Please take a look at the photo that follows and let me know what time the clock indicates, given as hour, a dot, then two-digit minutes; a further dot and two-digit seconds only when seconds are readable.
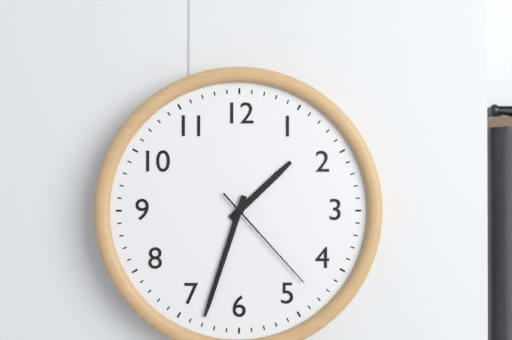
1.33.23
